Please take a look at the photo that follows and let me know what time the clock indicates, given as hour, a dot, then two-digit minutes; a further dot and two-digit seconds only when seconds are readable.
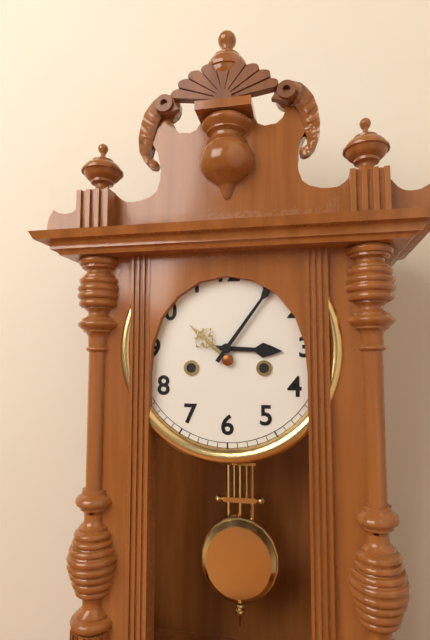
3.06
